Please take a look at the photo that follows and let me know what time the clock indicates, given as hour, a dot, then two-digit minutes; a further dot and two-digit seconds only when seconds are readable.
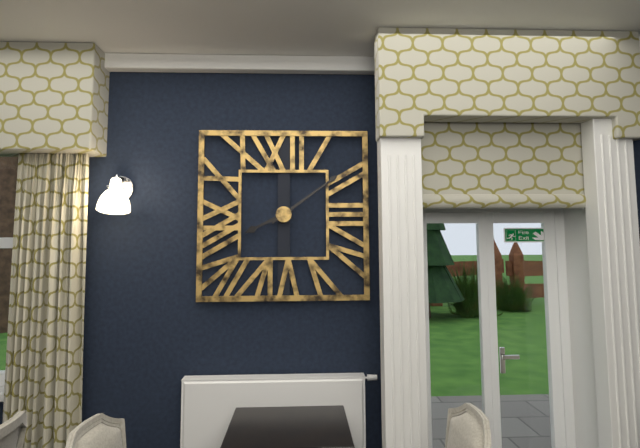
8.09
